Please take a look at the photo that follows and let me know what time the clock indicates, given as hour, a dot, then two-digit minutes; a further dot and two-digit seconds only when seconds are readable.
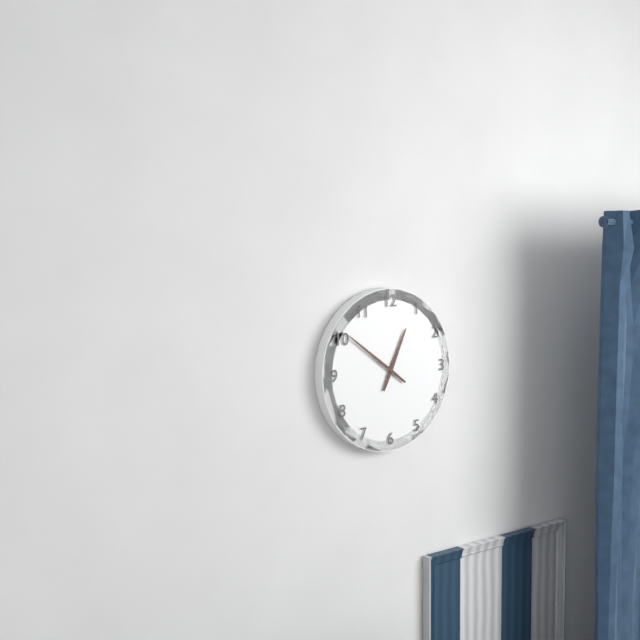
12.51
